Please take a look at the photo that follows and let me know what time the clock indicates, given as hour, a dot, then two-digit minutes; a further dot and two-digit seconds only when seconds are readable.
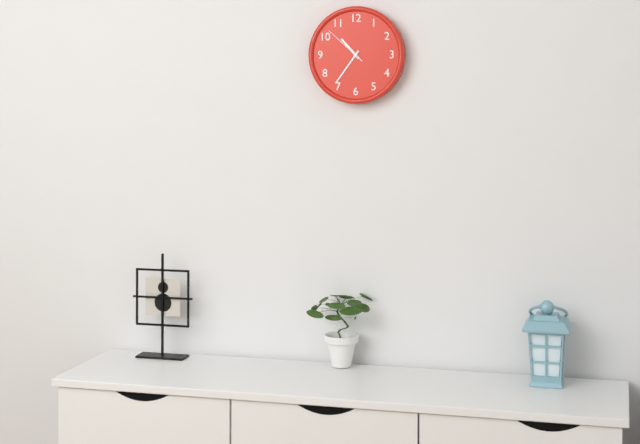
10.36
